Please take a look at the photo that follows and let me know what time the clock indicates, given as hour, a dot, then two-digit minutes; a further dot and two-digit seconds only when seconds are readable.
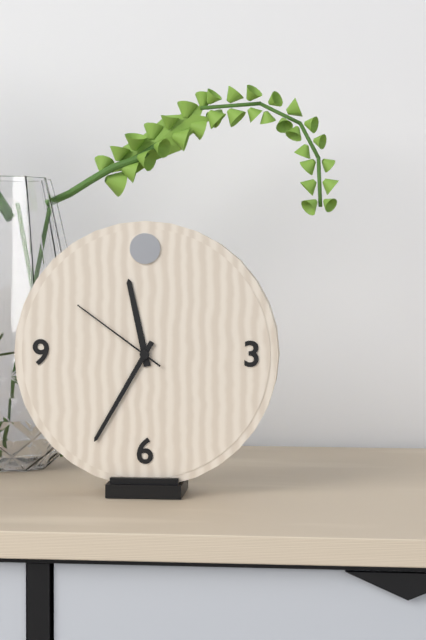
11.35.51
